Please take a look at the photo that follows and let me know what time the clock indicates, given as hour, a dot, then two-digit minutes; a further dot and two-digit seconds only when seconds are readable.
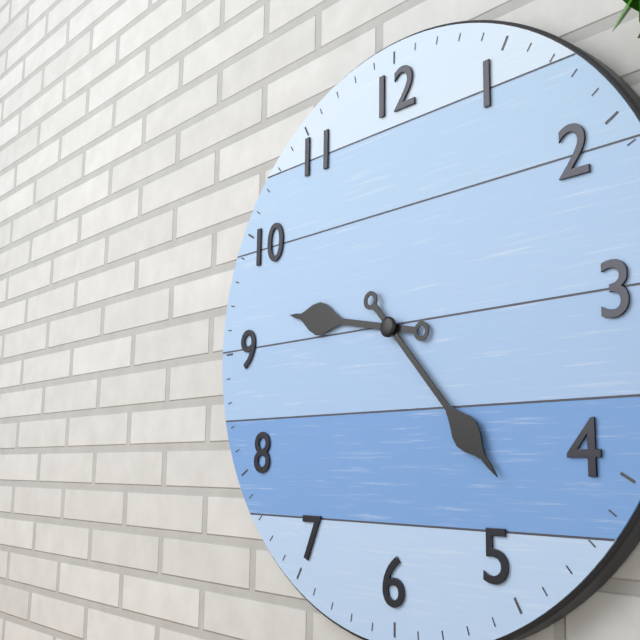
9.23
